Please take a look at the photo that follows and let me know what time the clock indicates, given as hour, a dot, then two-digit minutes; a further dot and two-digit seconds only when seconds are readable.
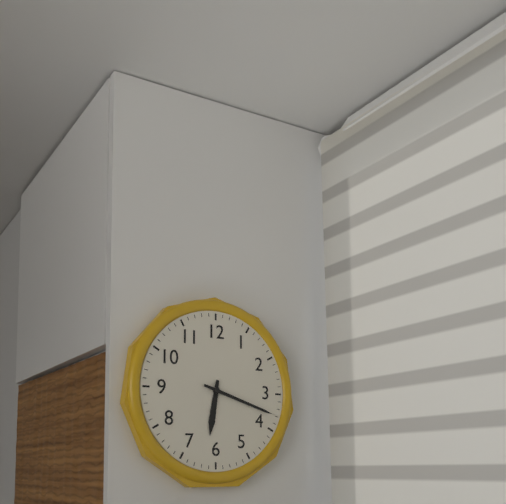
6.18
